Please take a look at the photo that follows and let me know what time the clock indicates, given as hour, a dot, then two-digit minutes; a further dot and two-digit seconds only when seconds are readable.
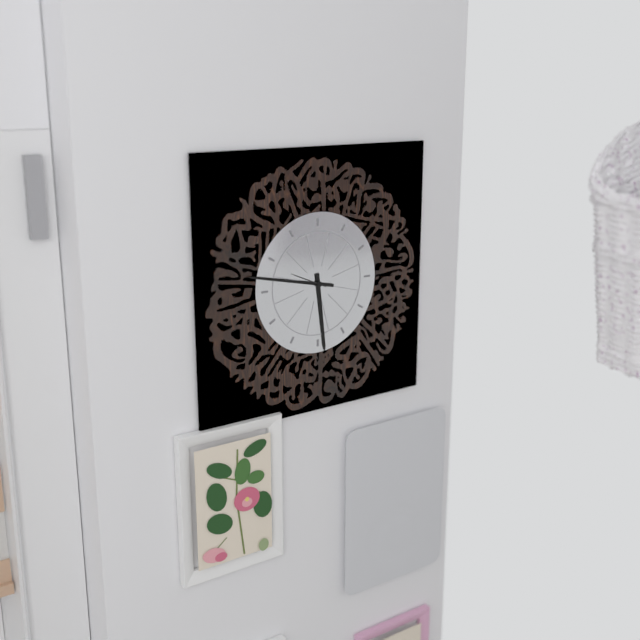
5.47
